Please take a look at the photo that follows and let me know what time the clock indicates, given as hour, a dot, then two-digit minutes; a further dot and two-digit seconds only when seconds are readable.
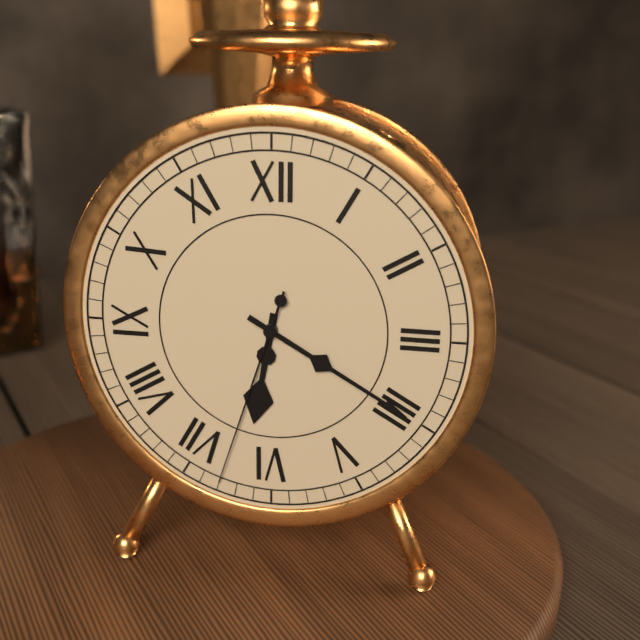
6.20.33
